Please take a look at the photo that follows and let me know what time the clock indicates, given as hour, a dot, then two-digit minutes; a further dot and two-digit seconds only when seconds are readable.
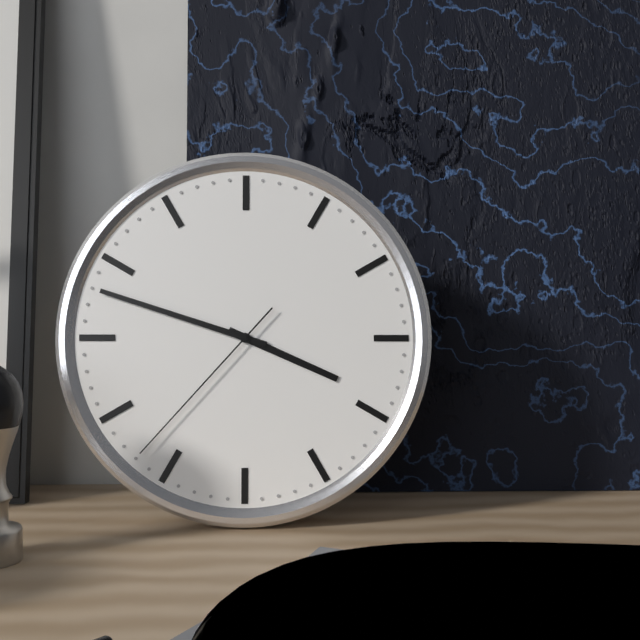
3.48.37
